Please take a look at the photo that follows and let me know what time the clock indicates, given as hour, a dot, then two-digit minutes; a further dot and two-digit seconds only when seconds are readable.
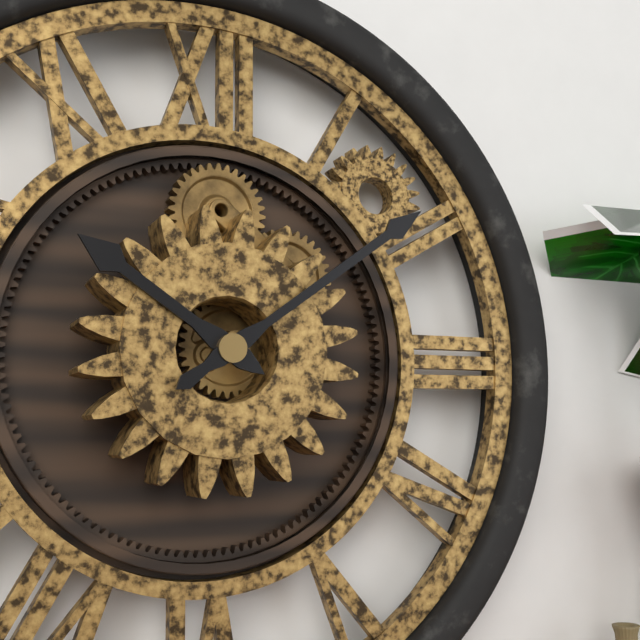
10.09
